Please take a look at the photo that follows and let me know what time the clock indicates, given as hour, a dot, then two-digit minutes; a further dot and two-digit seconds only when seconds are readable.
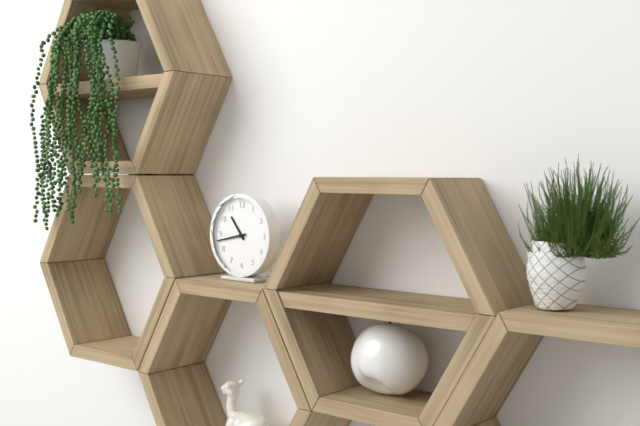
10.43
